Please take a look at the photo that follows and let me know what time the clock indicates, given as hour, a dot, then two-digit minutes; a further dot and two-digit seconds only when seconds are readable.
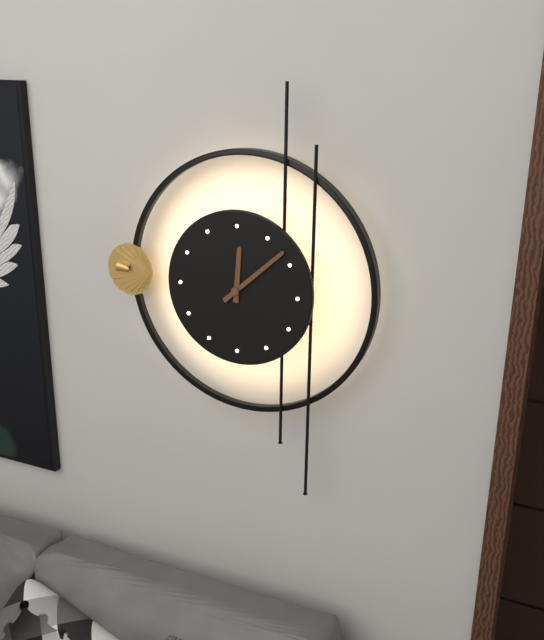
12.08
